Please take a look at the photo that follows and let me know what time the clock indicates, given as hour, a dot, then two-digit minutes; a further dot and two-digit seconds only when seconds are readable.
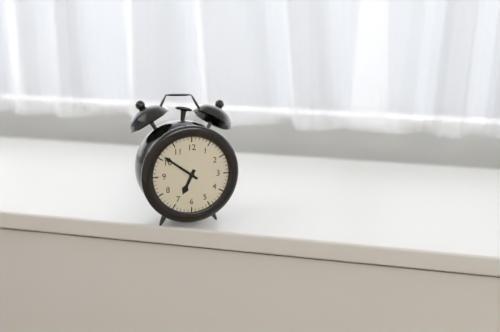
6.51
